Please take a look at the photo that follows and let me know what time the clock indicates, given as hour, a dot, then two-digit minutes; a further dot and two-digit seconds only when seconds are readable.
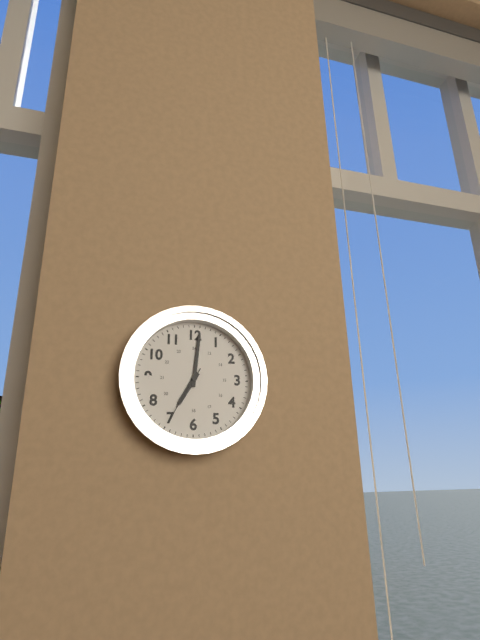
7.01.35
